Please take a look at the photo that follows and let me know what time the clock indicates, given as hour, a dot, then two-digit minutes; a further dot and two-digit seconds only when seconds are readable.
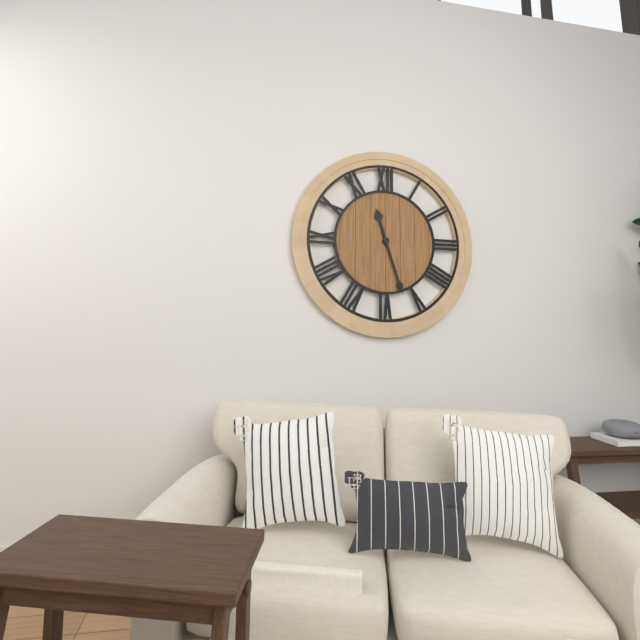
11.27
